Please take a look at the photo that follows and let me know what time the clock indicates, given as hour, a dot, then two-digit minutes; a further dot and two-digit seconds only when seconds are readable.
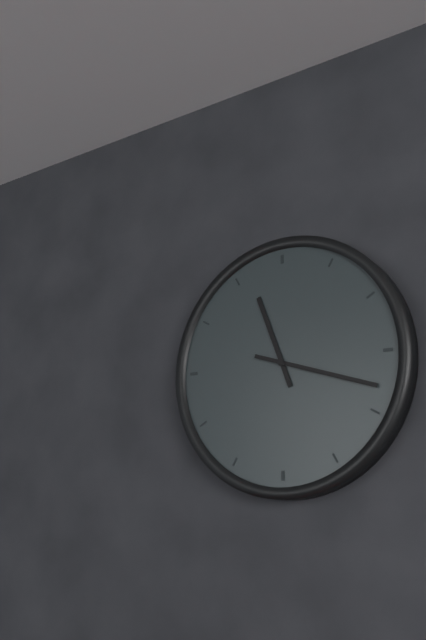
11.18
